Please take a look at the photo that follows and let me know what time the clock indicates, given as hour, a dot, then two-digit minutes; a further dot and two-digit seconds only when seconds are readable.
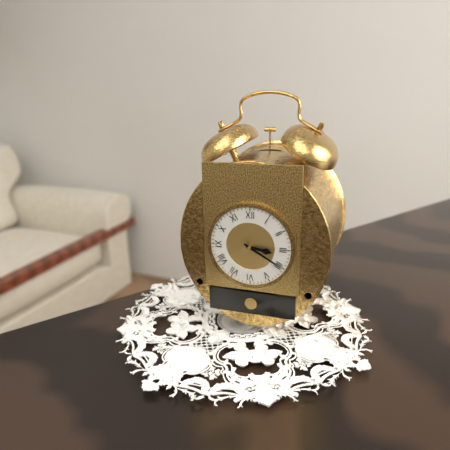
3.20
